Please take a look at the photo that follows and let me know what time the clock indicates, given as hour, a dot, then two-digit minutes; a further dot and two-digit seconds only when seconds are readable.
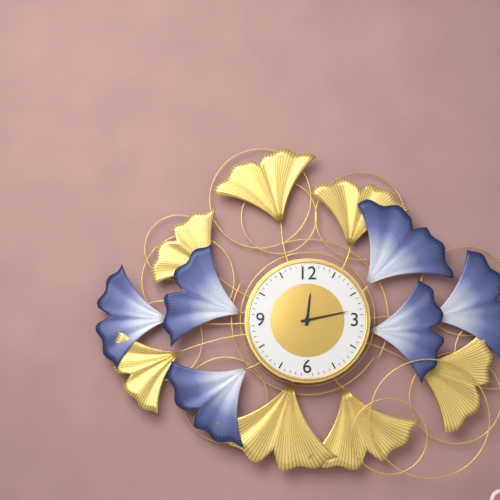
12.13
